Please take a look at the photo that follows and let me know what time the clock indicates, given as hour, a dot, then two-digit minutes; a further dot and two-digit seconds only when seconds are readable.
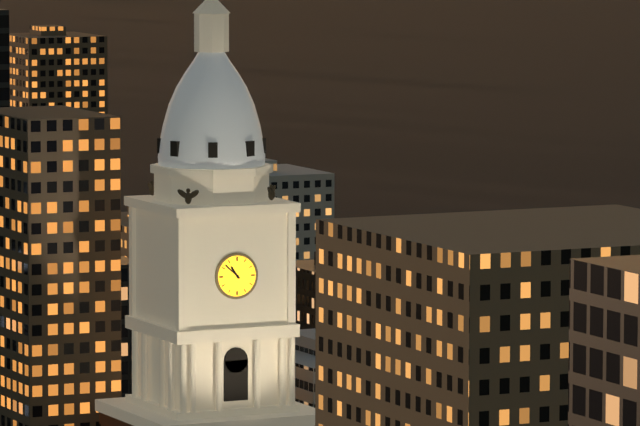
10.52
